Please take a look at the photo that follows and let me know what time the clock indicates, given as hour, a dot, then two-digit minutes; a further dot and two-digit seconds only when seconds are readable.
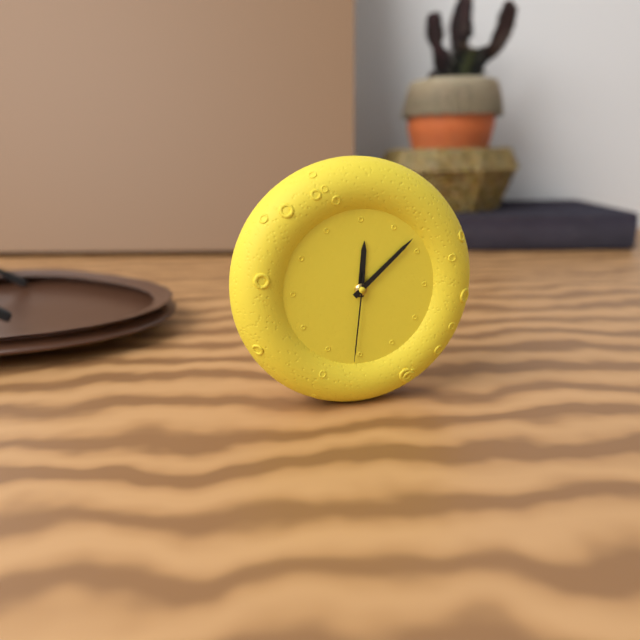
12.08.31
